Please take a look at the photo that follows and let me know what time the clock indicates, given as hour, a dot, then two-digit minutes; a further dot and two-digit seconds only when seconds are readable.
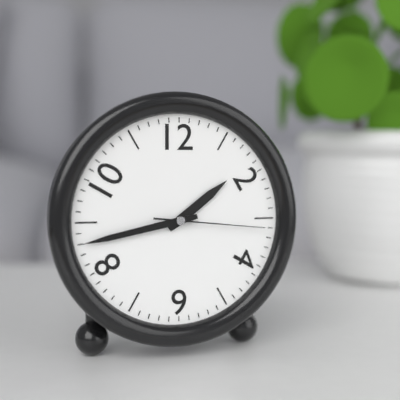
1.43.16
